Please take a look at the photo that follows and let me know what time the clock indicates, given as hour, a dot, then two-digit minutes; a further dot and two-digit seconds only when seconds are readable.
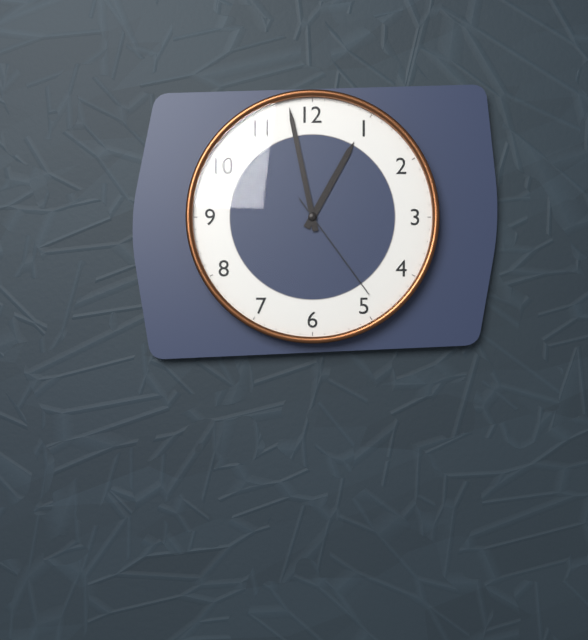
12.58.24
